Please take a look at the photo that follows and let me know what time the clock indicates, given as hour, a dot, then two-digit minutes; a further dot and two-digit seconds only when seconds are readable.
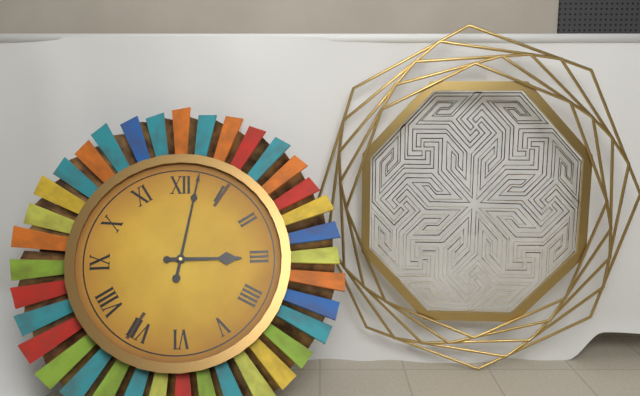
3.02
